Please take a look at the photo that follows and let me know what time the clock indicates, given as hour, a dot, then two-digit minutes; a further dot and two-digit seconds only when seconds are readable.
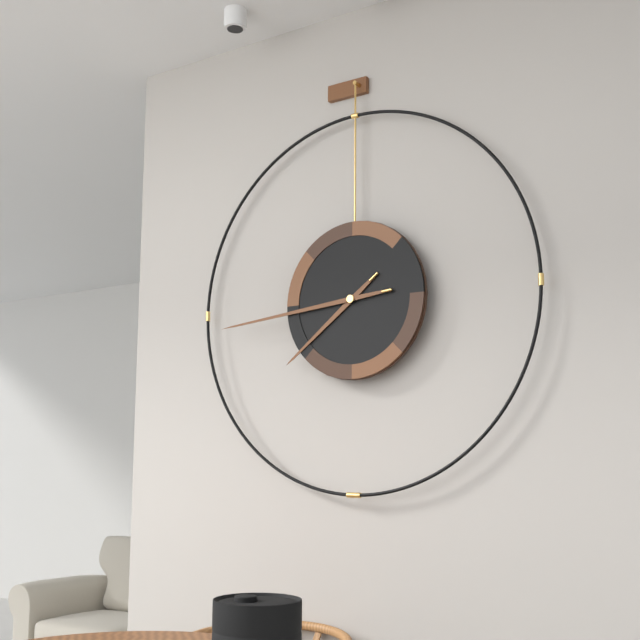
7.44
